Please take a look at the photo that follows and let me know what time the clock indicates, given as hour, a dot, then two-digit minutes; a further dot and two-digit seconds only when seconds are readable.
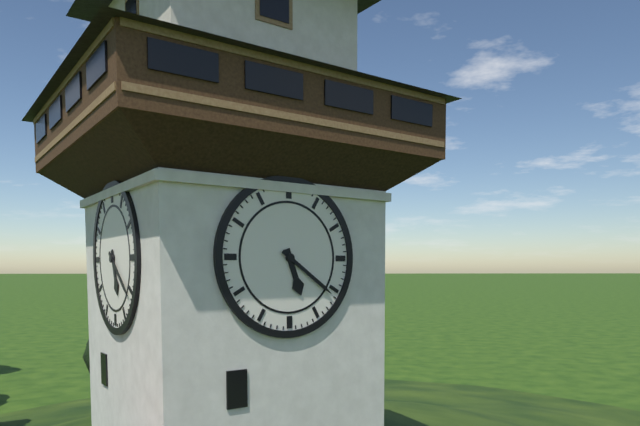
5.21
